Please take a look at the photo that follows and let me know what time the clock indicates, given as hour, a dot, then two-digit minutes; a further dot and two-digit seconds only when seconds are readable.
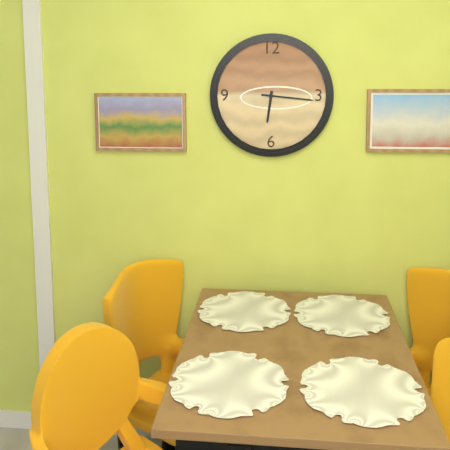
6.16
